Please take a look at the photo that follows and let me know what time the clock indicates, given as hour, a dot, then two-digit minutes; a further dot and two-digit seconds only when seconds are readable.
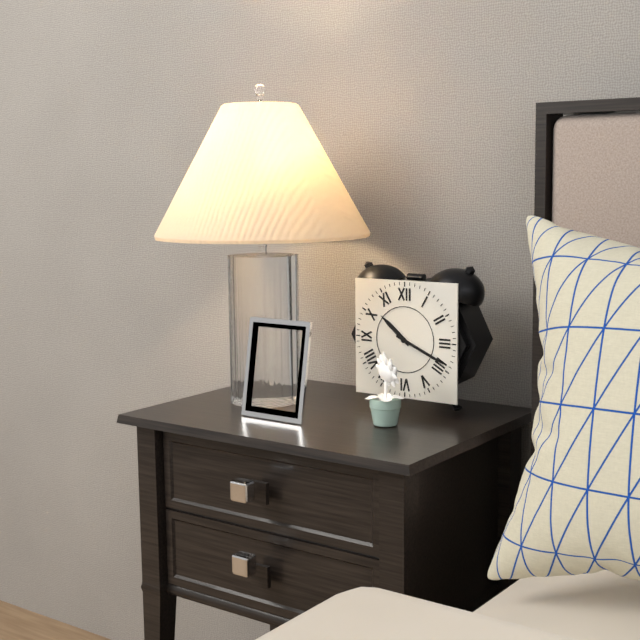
10.19
